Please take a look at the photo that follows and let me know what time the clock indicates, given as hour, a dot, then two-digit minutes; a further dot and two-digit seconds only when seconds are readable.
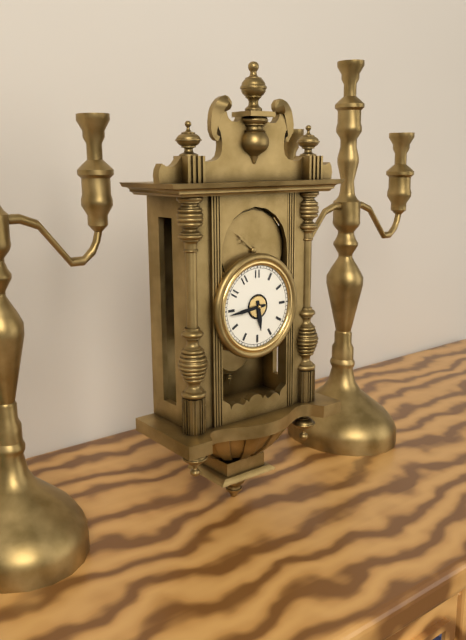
5.44
